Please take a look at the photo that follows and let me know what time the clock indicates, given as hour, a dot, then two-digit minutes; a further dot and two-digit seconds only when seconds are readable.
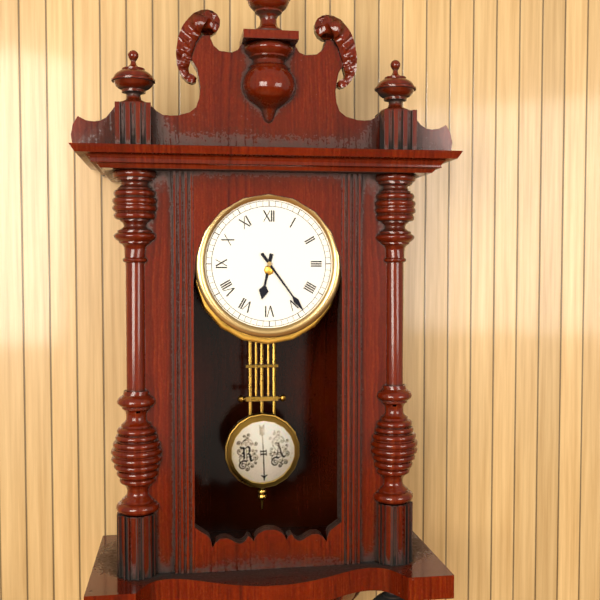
6.24
